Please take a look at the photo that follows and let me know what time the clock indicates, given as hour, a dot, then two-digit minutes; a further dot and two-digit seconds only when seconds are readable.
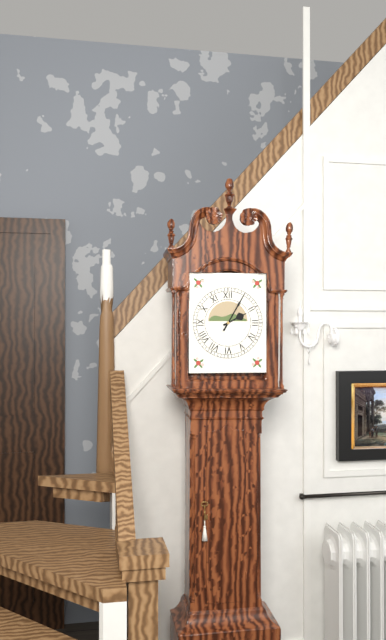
2.05
